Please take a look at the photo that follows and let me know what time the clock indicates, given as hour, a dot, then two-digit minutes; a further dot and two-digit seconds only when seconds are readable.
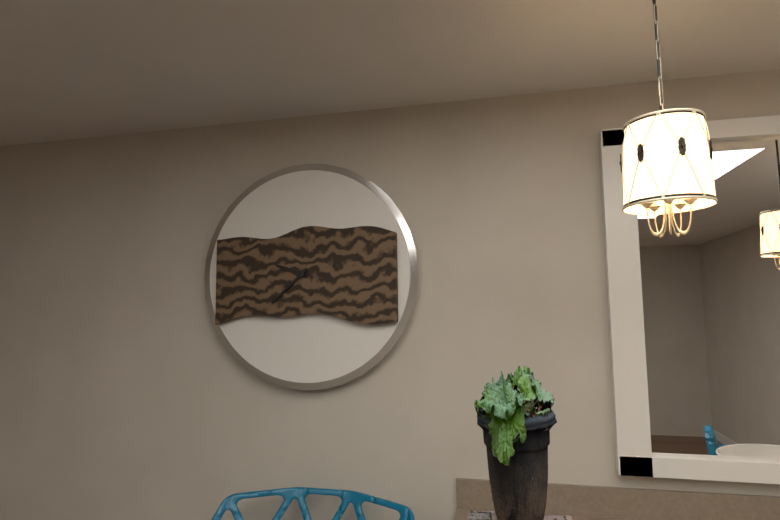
9.38
